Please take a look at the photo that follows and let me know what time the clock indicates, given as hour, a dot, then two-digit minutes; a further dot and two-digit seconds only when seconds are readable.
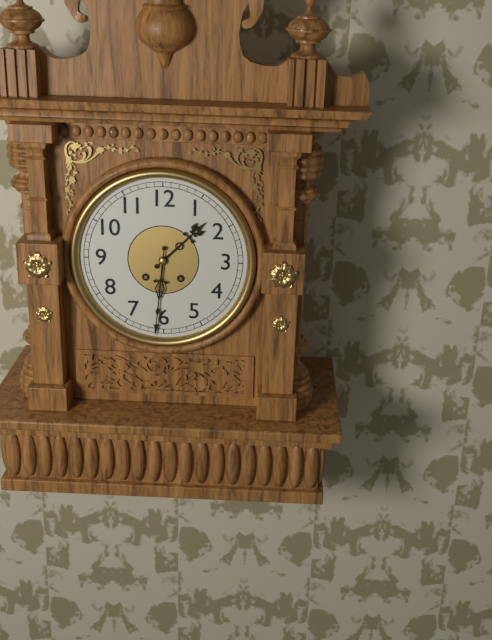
1.31
